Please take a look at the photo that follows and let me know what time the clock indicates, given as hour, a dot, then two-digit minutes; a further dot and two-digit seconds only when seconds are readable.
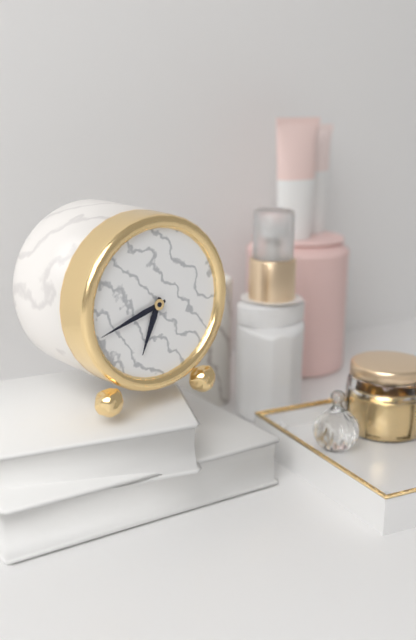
6.42
